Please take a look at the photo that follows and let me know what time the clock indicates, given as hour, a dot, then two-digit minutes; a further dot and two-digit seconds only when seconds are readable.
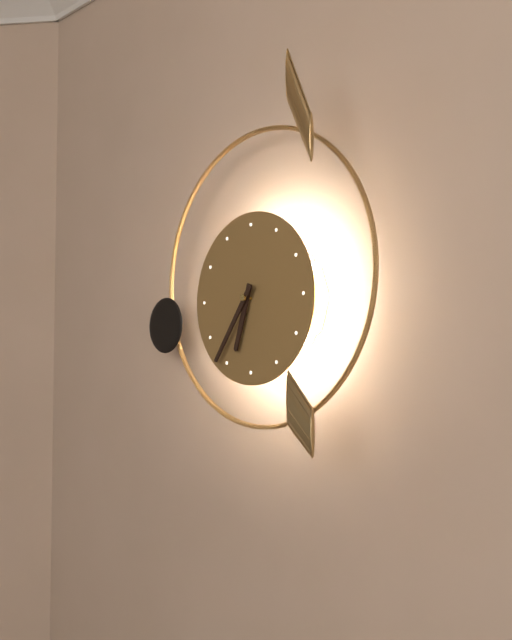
6.36
